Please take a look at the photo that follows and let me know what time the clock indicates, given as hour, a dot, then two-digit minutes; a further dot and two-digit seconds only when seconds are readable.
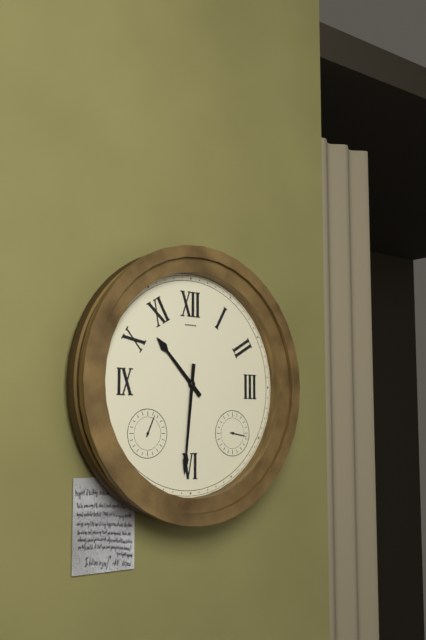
10.31
